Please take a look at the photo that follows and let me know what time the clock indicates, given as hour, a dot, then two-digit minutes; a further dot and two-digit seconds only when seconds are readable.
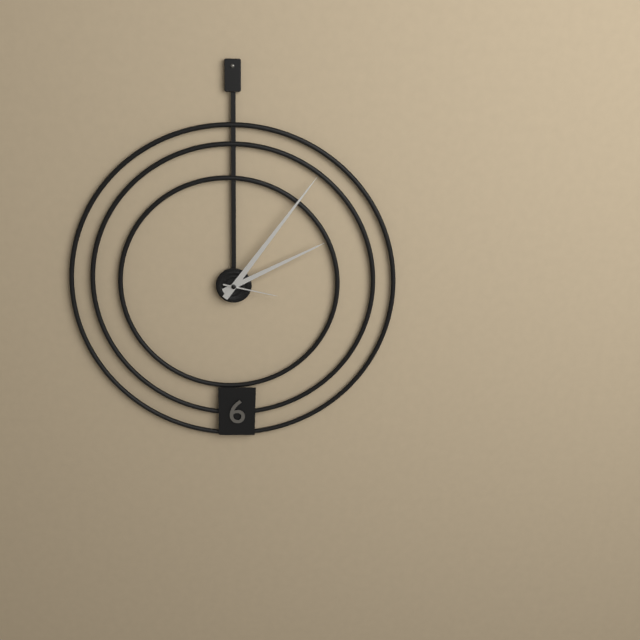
2.06.17
